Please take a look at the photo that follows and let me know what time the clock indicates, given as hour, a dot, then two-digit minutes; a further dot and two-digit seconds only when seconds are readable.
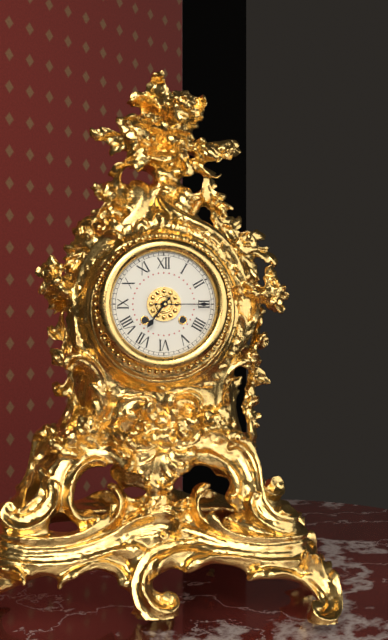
7.15
